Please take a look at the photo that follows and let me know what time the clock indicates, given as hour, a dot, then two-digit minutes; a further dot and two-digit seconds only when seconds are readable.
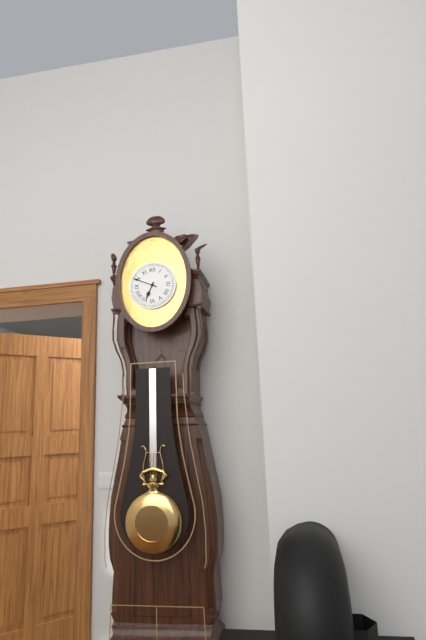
6.49
